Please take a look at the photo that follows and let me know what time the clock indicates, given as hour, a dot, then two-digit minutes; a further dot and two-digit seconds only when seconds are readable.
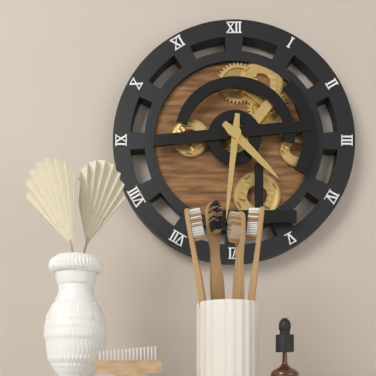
4.31
